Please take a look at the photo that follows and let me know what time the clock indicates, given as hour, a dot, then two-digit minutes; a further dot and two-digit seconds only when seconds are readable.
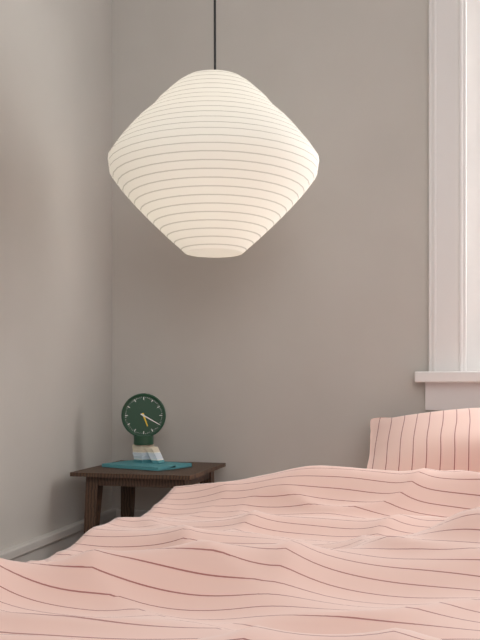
5.20
